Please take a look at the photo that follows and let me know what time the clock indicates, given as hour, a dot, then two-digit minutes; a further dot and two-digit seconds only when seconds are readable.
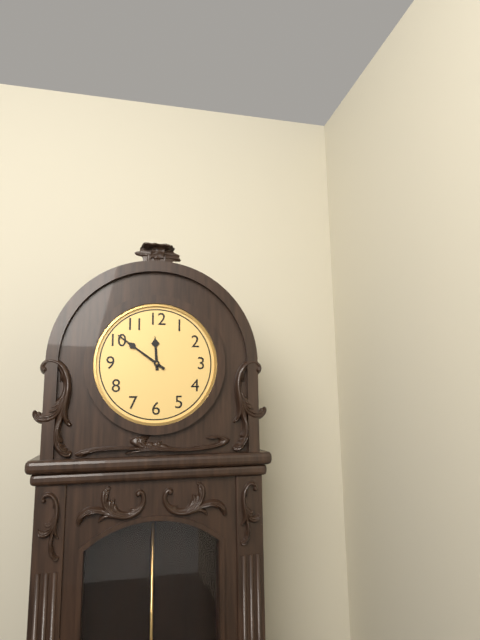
11.51
